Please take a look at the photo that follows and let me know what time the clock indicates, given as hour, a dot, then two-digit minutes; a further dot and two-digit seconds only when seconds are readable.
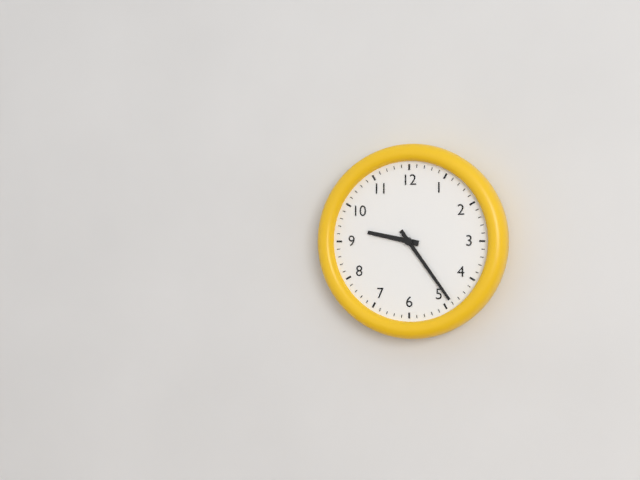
9.24
